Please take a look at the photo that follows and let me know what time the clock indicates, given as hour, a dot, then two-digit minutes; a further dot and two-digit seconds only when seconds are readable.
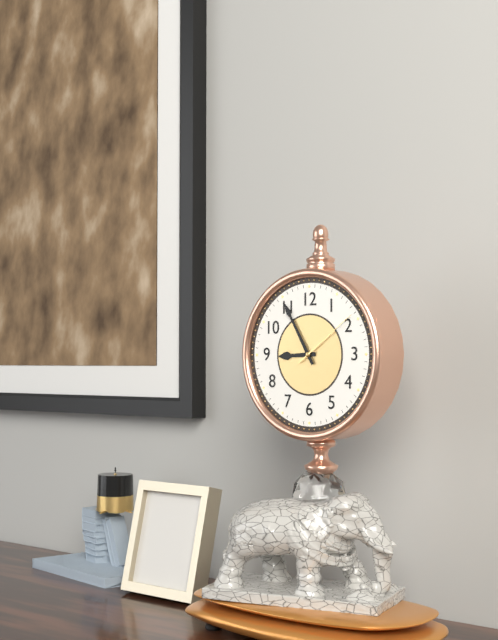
8.55.09
